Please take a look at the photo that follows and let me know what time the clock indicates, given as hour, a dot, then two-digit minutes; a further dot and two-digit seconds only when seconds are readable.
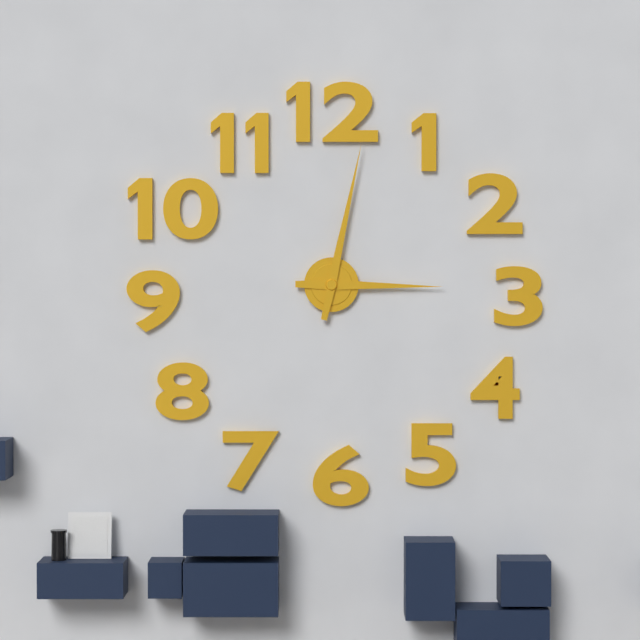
3.02
